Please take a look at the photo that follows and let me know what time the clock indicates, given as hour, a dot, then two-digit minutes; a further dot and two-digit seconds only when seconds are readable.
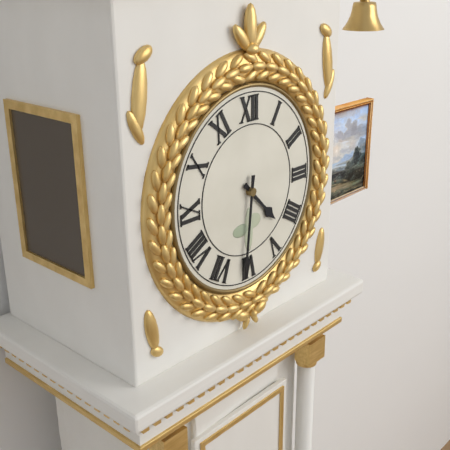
4.31
